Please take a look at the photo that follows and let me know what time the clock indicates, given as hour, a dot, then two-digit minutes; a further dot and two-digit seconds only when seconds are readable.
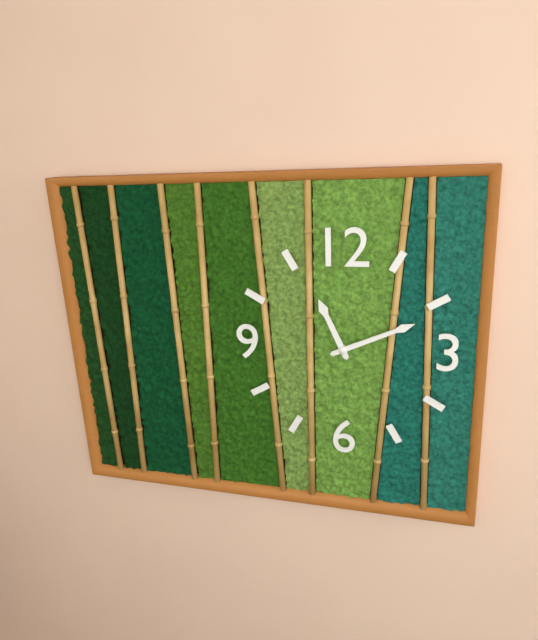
11.11
